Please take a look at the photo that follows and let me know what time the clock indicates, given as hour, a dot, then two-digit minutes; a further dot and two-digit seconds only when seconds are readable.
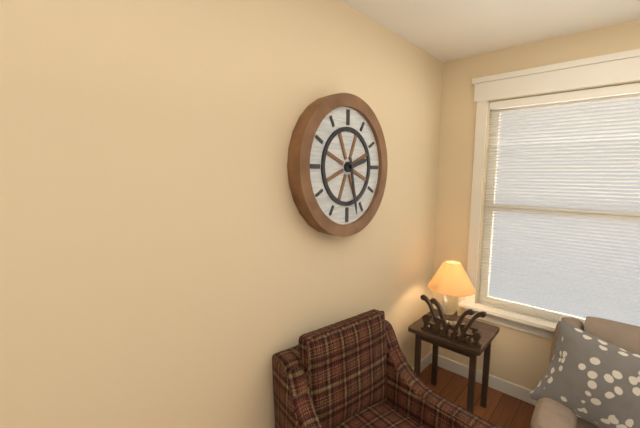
2.28
